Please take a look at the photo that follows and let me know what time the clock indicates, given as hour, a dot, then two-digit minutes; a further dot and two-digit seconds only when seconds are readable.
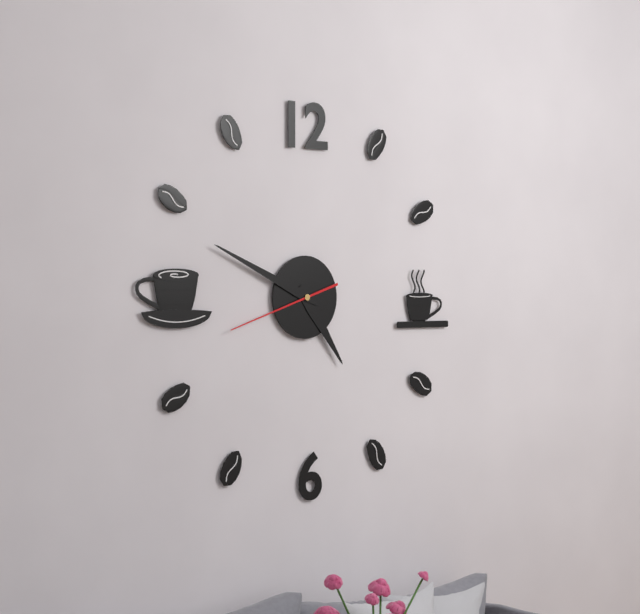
4.49.42
